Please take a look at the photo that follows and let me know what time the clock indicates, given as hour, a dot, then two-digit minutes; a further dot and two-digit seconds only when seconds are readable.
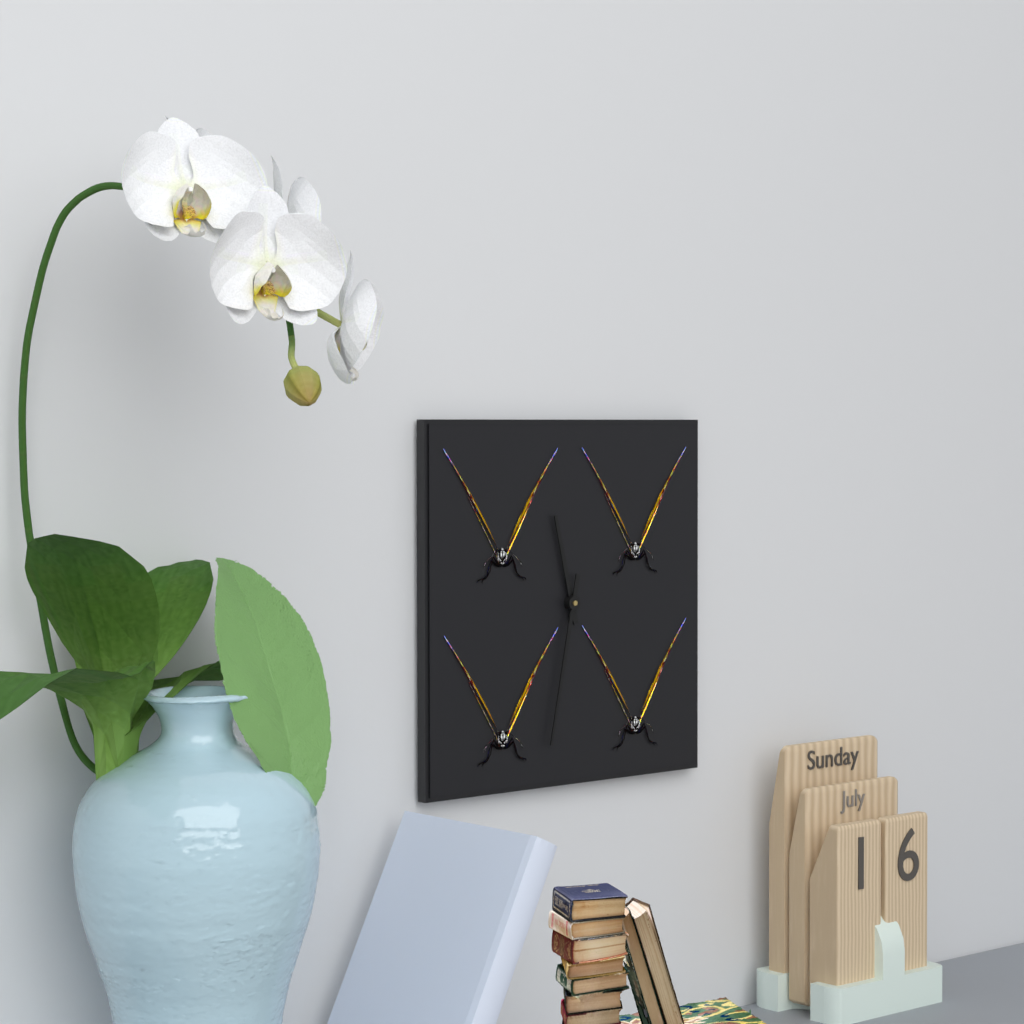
11.32
